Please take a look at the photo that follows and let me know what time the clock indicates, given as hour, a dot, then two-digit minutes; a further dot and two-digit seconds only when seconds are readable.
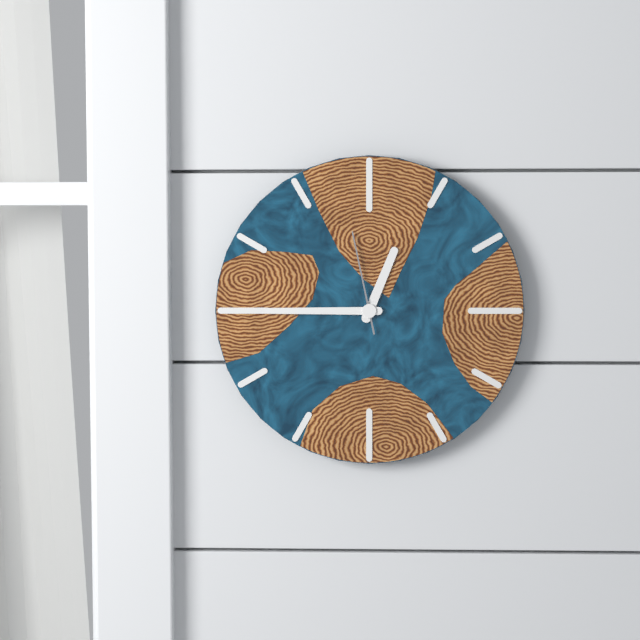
12.45.58
